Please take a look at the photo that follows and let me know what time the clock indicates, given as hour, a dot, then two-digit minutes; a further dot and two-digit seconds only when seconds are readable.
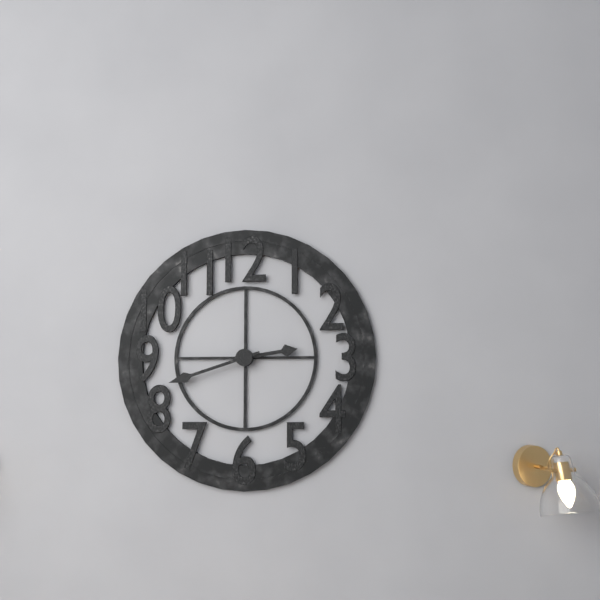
2.42
